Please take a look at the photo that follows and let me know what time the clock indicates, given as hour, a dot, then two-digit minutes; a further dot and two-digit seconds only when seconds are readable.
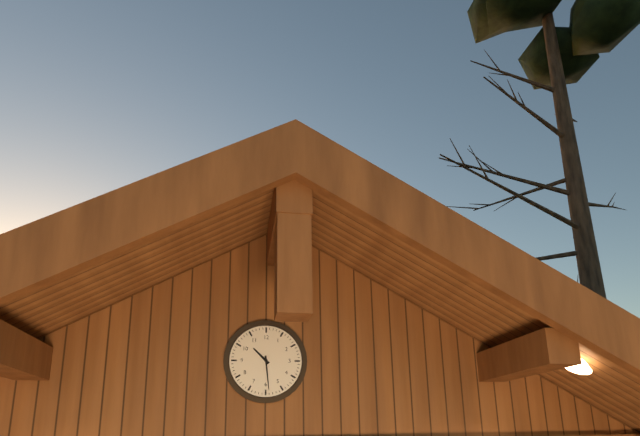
10.29
